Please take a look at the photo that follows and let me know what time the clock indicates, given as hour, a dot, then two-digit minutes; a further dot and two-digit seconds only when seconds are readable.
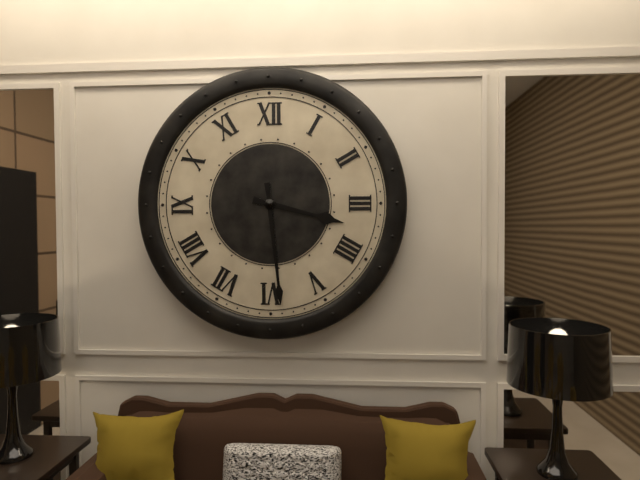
3.29
